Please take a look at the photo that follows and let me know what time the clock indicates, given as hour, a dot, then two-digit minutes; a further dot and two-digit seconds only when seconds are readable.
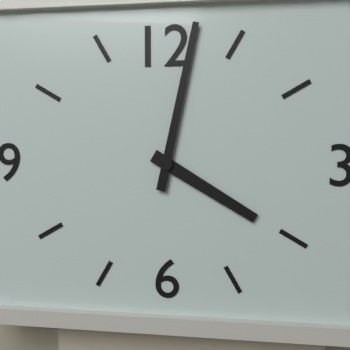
4.02
